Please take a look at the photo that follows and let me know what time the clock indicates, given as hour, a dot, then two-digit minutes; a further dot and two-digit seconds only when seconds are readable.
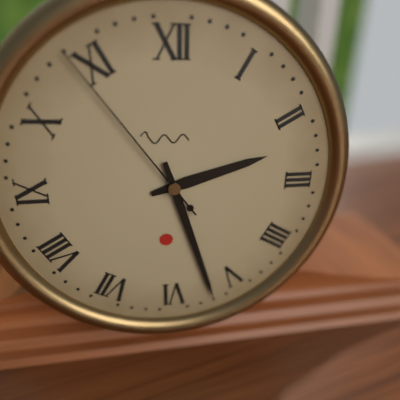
2.27.54
